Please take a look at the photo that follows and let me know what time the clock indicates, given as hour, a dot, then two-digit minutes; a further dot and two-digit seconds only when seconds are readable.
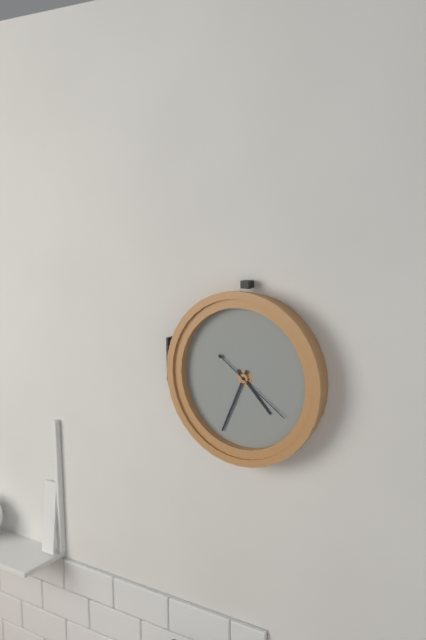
4.34.21
